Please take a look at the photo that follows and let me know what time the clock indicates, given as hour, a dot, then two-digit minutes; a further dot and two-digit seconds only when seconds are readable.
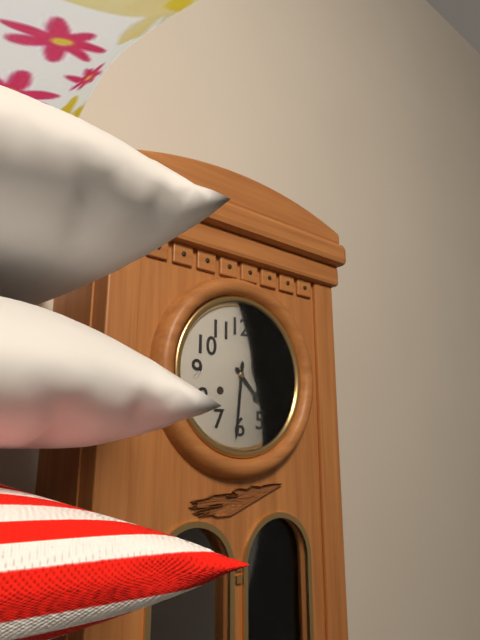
4.31
